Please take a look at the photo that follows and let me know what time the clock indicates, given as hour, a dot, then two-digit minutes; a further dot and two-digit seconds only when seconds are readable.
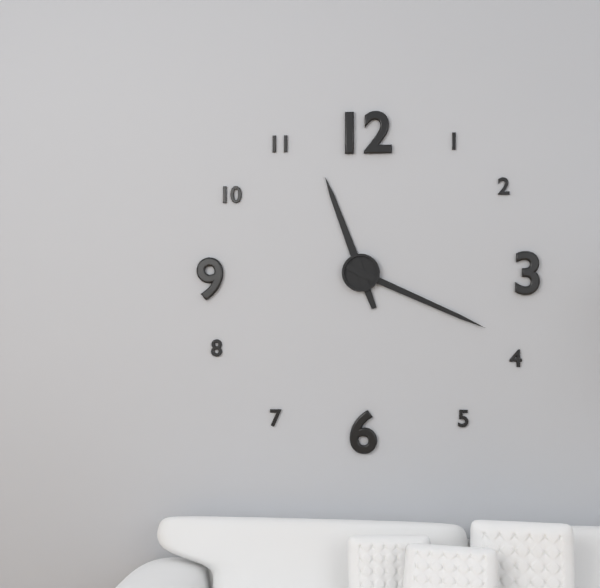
11.19
